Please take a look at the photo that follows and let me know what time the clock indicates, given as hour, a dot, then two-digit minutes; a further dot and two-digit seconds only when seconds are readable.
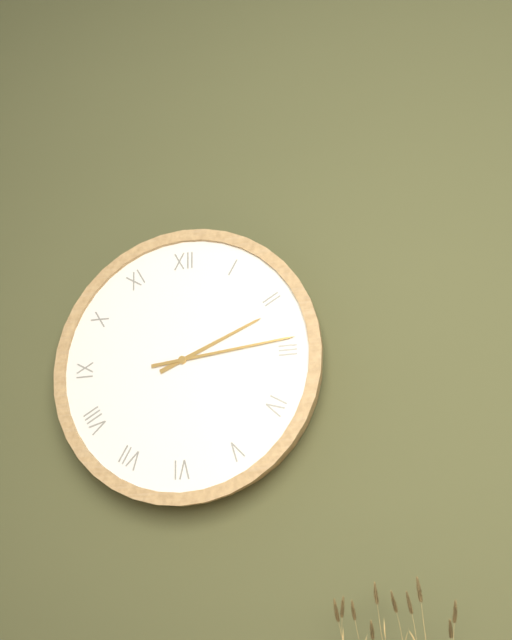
2.14
